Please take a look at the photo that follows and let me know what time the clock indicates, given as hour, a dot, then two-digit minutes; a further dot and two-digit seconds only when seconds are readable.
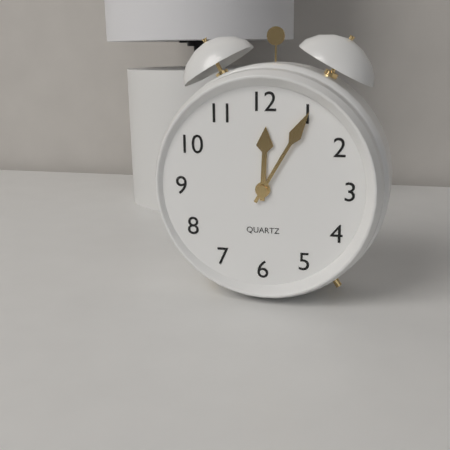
12.05
